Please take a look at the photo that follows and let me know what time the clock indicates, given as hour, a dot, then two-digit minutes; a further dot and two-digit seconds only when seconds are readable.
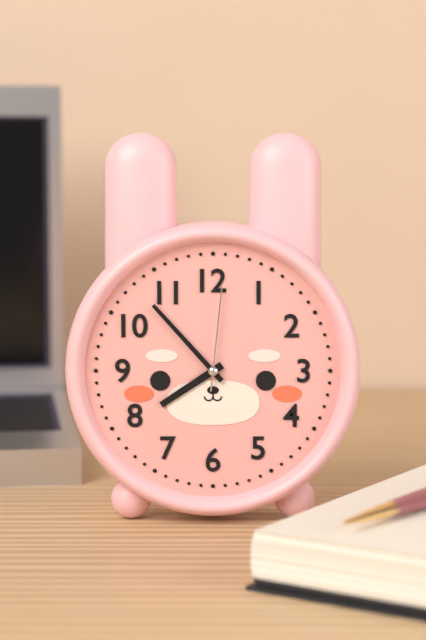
7.53.01
